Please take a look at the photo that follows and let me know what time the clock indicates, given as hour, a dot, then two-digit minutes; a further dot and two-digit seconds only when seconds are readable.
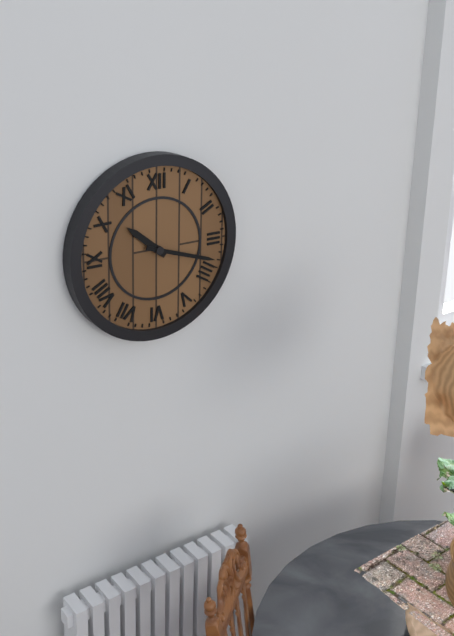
10.18
